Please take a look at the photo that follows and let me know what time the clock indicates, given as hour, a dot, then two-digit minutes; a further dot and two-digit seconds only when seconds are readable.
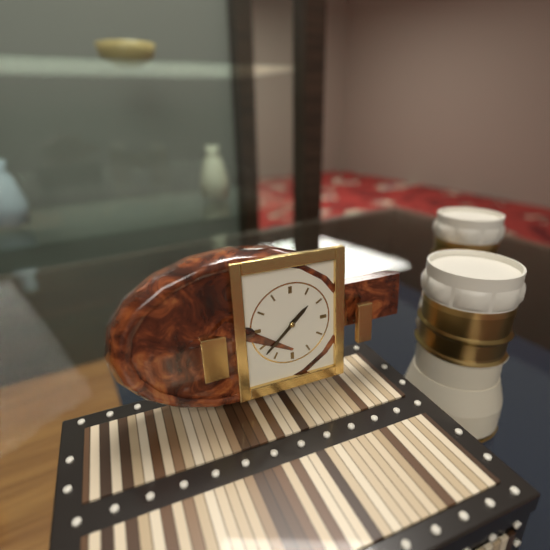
1.38
